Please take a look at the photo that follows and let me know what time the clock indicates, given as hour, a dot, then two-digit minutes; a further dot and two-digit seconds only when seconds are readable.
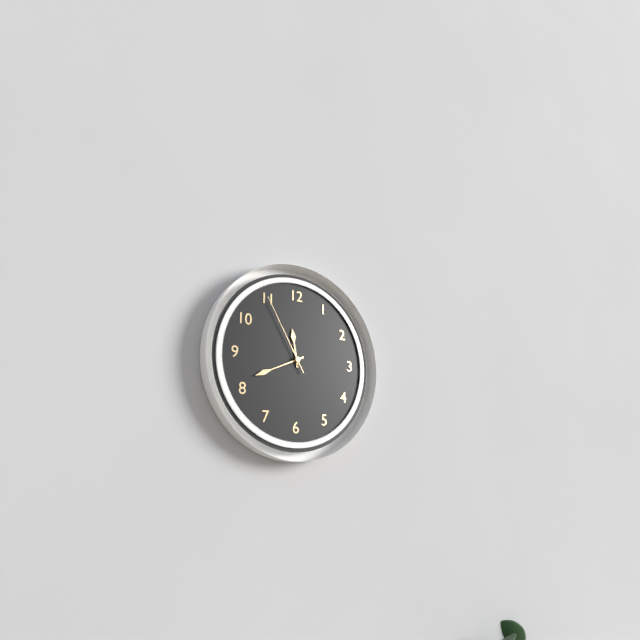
11.41.55
